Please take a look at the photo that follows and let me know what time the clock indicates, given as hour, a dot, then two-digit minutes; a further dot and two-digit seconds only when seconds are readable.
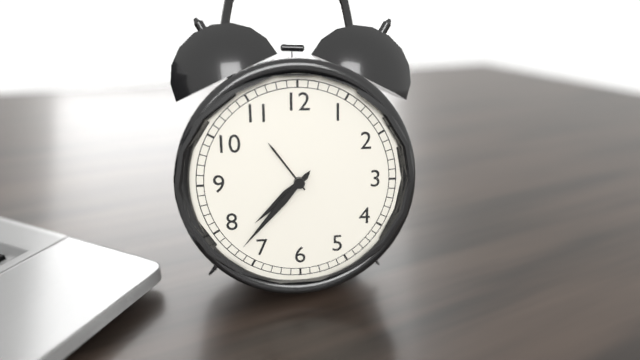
7.37
